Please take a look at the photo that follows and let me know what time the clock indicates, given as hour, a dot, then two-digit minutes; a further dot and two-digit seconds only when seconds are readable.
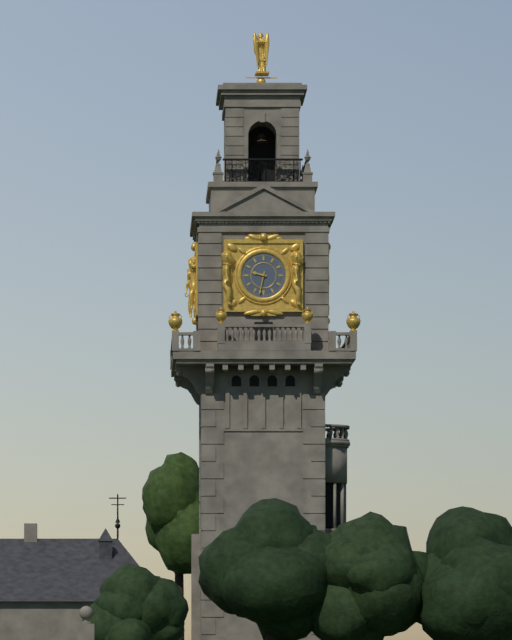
9.32
